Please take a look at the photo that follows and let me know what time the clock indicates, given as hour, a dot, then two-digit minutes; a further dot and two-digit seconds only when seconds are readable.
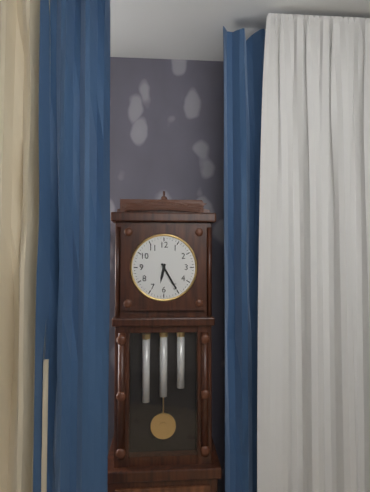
6.25
